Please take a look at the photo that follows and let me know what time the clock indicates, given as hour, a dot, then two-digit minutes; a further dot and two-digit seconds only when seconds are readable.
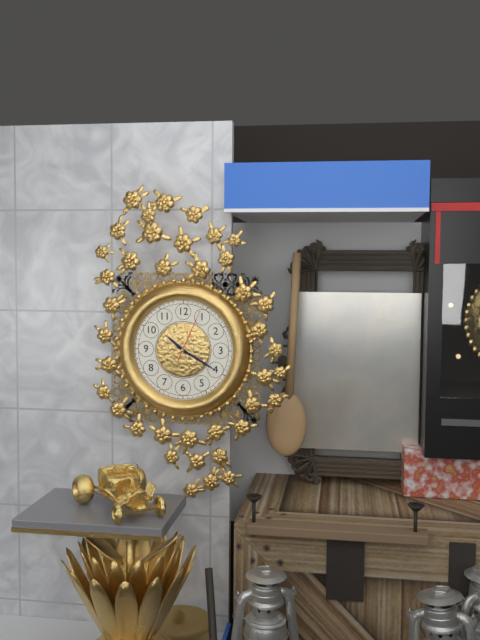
10.20.04
